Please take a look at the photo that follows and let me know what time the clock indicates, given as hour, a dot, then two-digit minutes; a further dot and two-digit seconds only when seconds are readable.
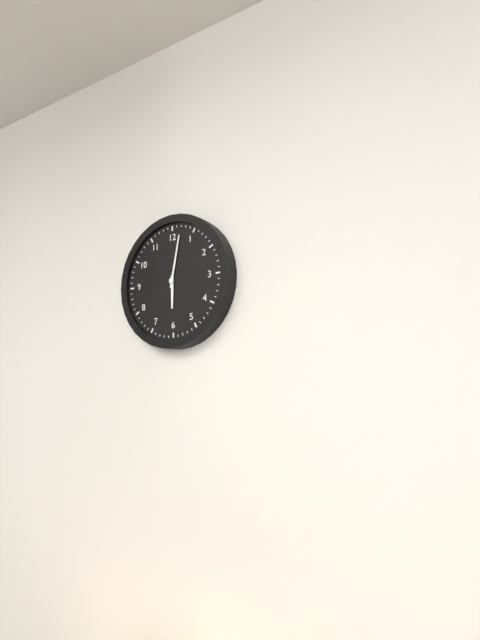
6.02
